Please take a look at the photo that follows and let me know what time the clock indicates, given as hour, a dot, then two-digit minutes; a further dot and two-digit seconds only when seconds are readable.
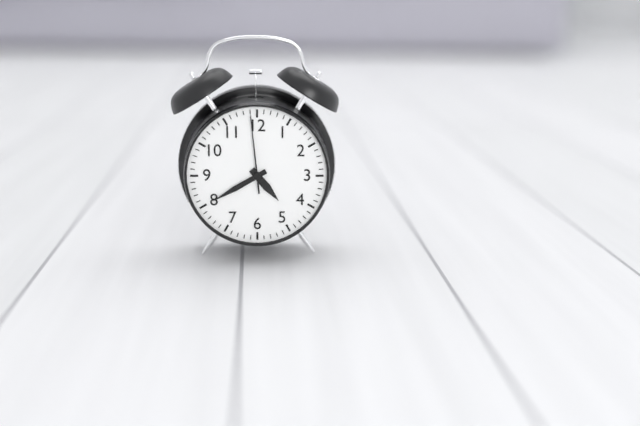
4.40.59
